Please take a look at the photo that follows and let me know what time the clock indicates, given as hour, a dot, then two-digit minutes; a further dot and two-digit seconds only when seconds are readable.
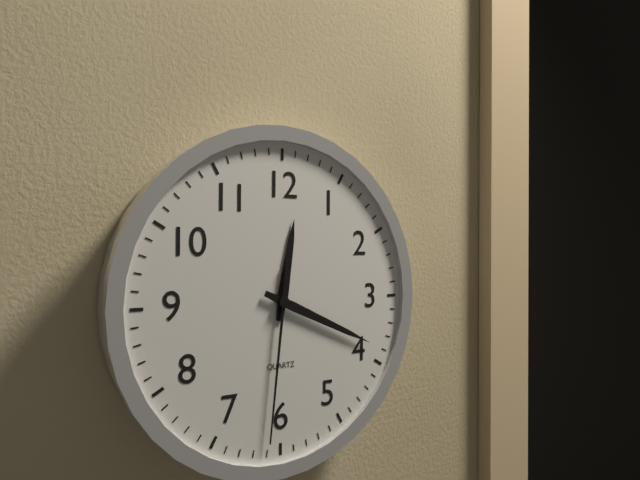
12.19.31
